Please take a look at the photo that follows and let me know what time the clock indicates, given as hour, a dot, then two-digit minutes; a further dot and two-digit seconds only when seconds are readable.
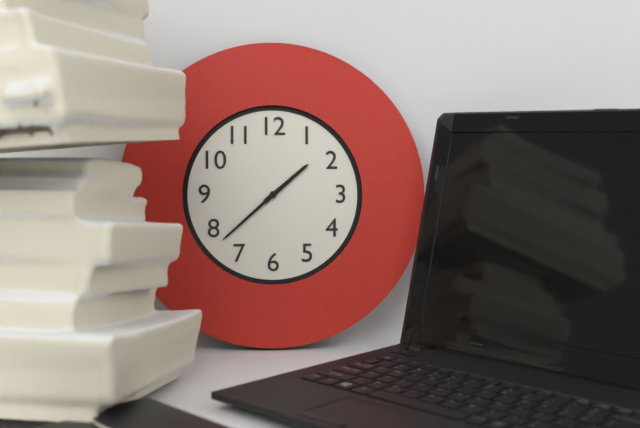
1.38
